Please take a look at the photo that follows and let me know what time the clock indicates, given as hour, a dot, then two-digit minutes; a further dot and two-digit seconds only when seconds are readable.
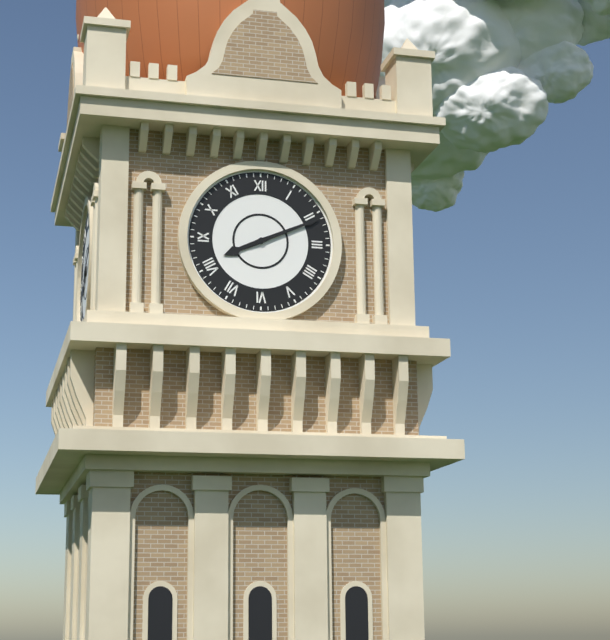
8.11
